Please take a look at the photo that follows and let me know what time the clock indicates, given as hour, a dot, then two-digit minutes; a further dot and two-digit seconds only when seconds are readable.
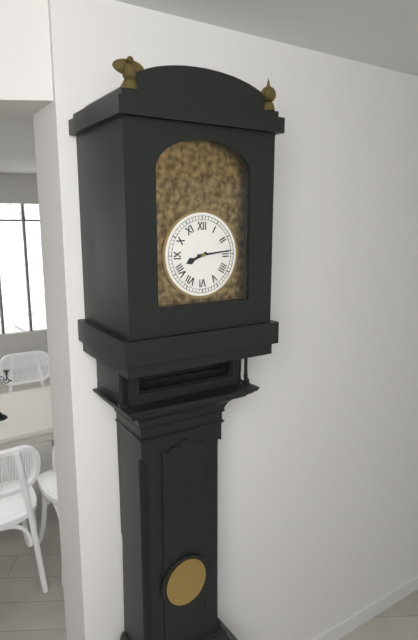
8.14
